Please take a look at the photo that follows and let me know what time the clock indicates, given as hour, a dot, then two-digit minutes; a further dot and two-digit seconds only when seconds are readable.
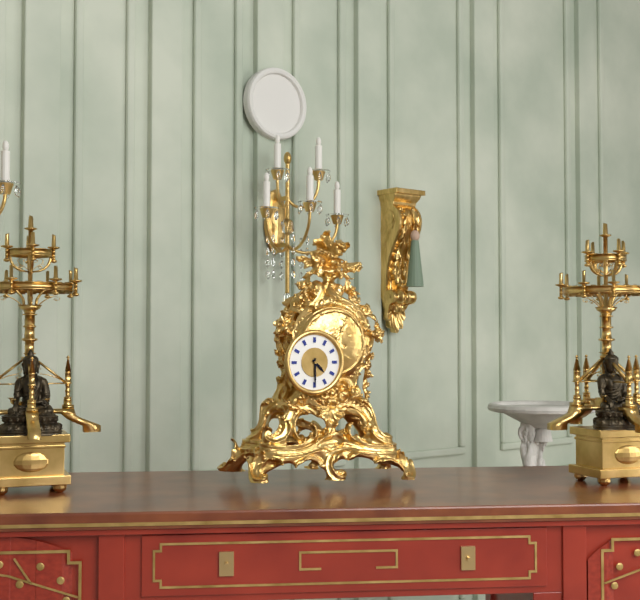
4.30
